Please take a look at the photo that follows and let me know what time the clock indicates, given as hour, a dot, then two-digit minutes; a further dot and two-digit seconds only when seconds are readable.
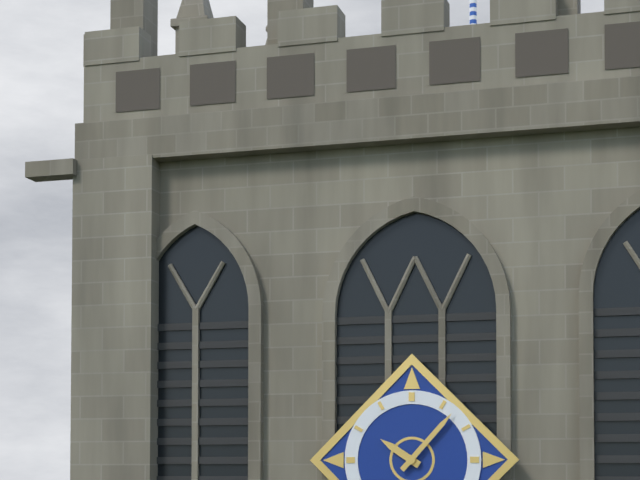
10.07
